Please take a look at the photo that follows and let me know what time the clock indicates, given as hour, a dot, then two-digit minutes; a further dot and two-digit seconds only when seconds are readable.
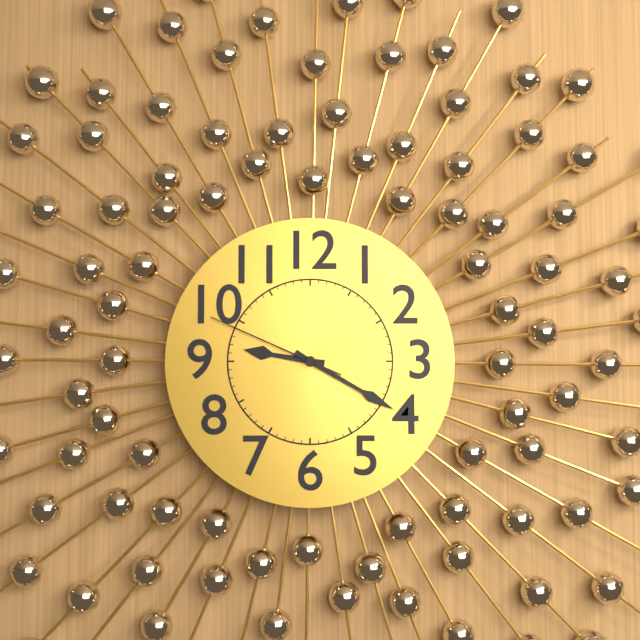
9.20.49
